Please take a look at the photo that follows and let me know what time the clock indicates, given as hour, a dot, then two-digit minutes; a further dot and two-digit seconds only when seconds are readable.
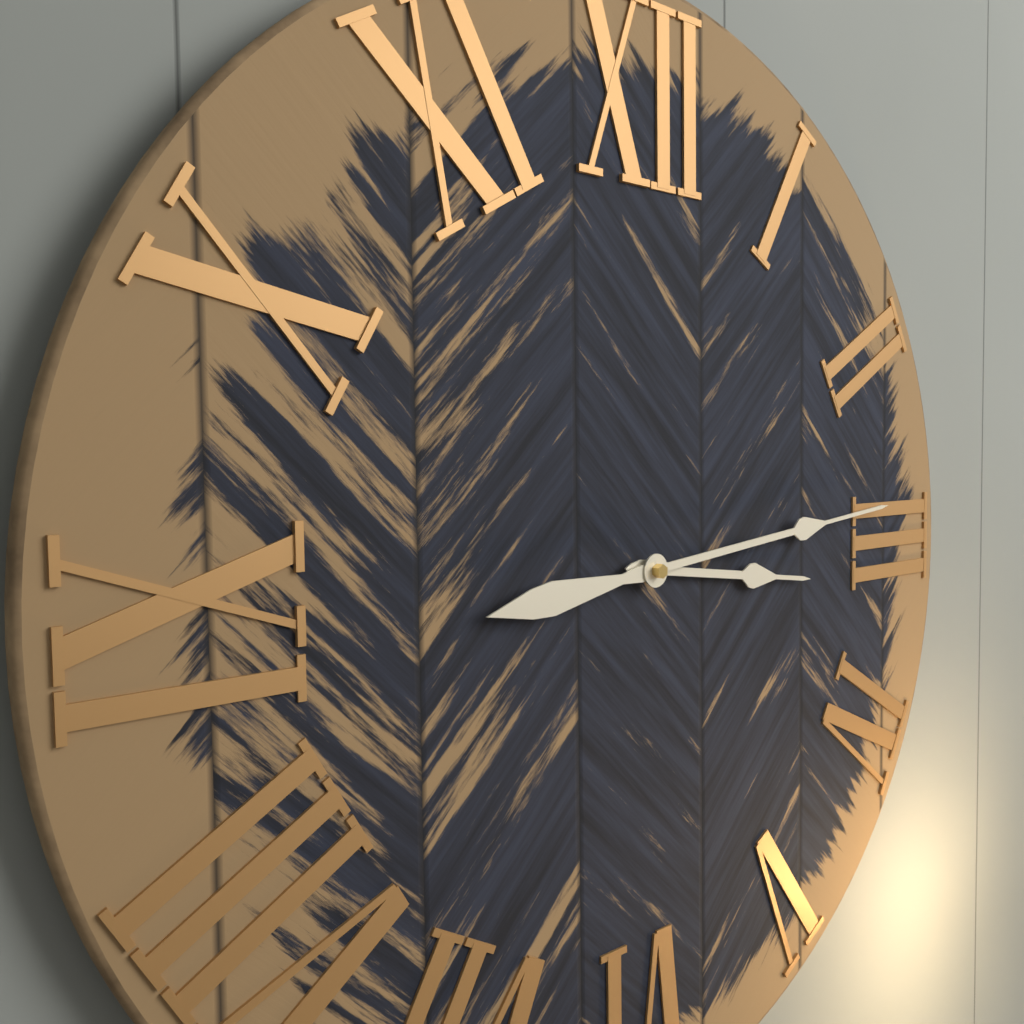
3.14
